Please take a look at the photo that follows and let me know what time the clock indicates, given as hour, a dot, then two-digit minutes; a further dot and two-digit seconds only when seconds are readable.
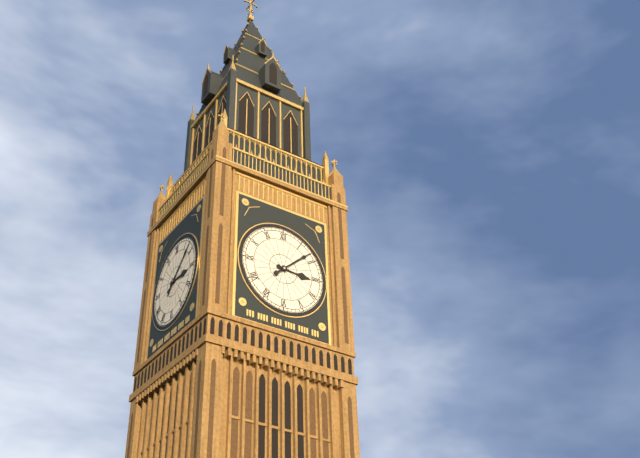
3.08
